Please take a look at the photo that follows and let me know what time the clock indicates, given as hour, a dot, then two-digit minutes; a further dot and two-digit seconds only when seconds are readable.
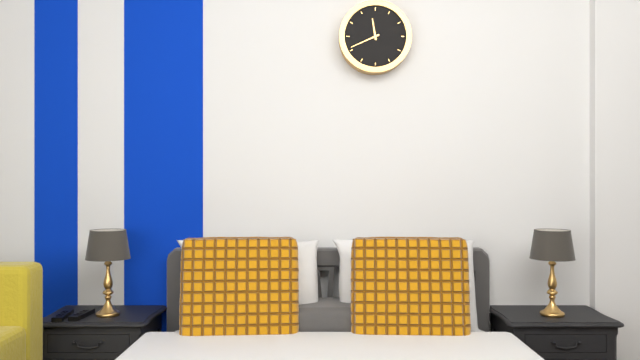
11.41
